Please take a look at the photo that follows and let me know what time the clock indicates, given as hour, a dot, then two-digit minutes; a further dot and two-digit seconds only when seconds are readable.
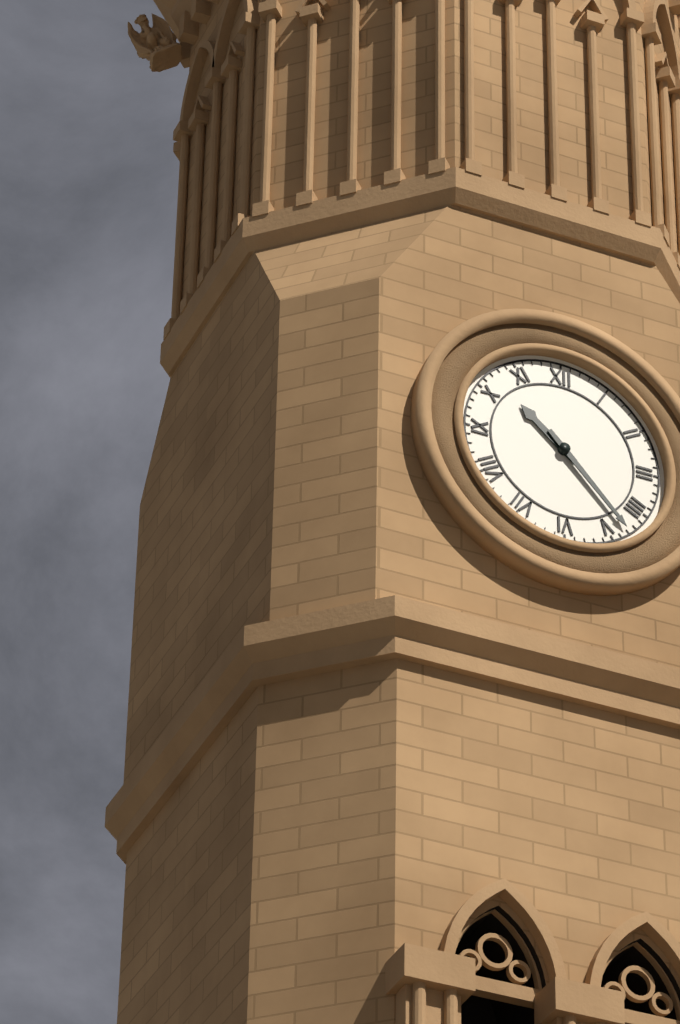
10.23
